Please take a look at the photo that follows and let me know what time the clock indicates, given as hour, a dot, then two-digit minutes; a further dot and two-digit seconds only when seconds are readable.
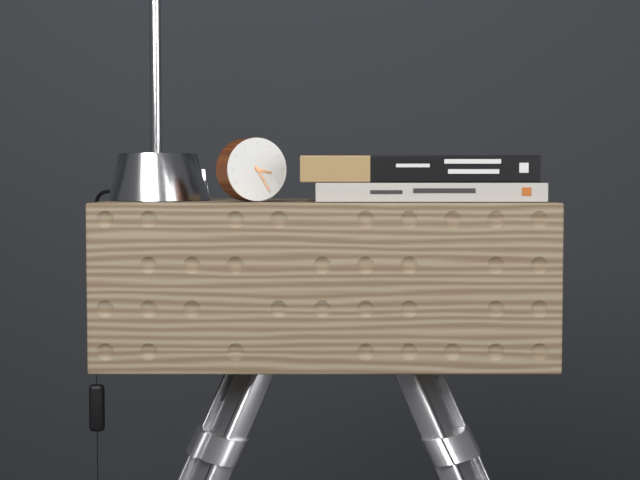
3.25
